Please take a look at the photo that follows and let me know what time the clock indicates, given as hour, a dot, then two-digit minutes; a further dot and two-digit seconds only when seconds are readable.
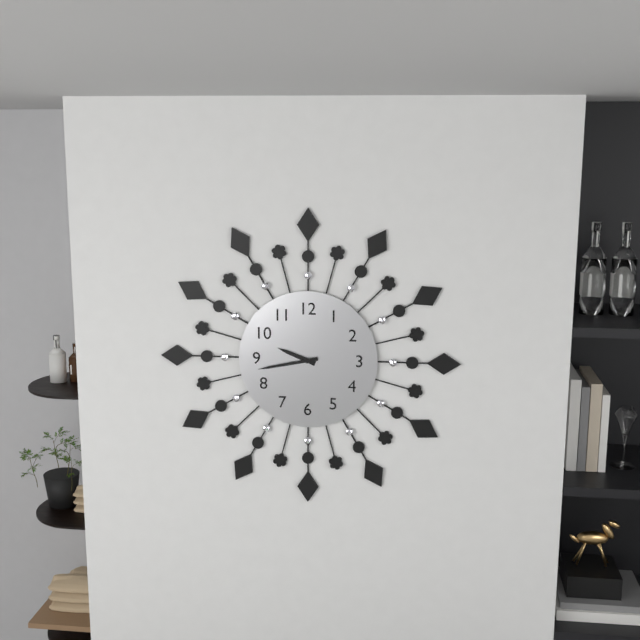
9.43
